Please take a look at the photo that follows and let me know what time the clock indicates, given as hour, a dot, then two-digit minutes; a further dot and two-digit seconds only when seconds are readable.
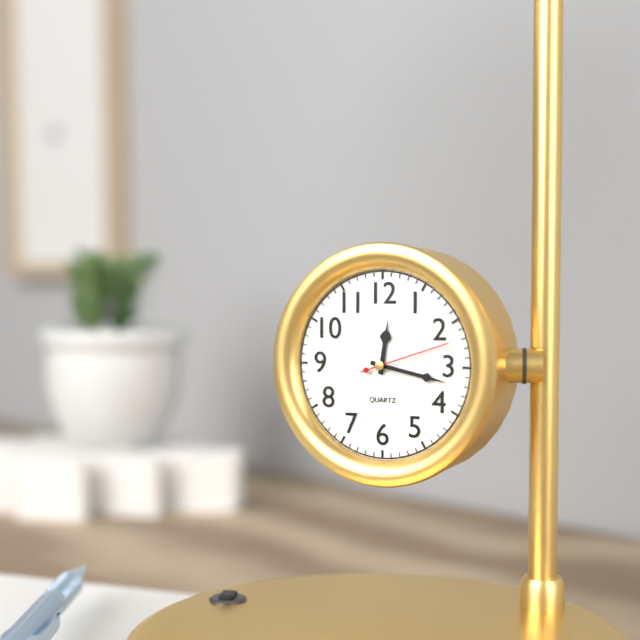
12.17.12
